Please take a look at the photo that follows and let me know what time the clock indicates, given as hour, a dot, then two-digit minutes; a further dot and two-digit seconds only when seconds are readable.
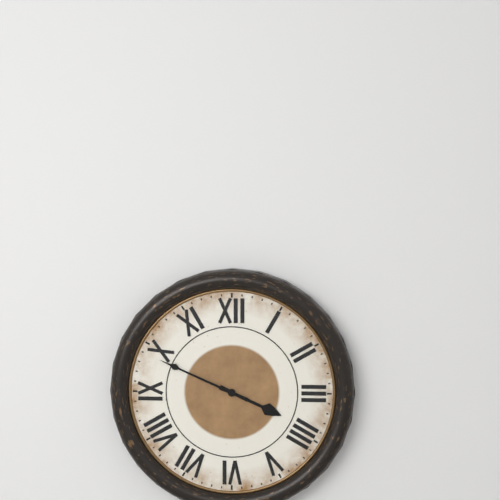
3.49
